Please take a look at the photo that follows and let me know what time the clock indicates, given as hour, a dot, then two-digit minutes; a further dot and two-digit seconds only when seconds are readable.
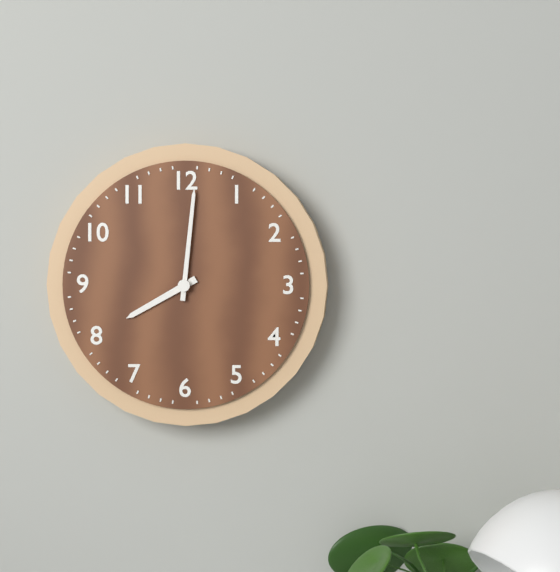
8.01
